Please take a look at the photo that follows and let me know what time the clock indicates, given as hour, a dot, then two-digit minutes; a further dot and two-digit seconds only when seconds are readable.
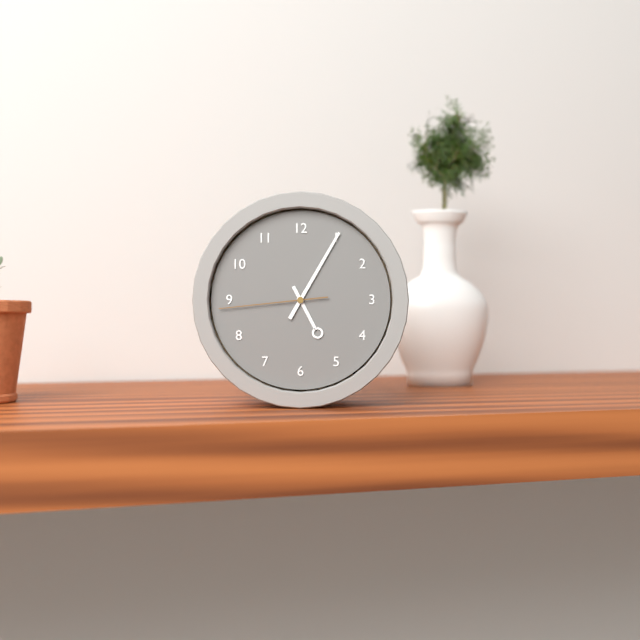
5.05.44
